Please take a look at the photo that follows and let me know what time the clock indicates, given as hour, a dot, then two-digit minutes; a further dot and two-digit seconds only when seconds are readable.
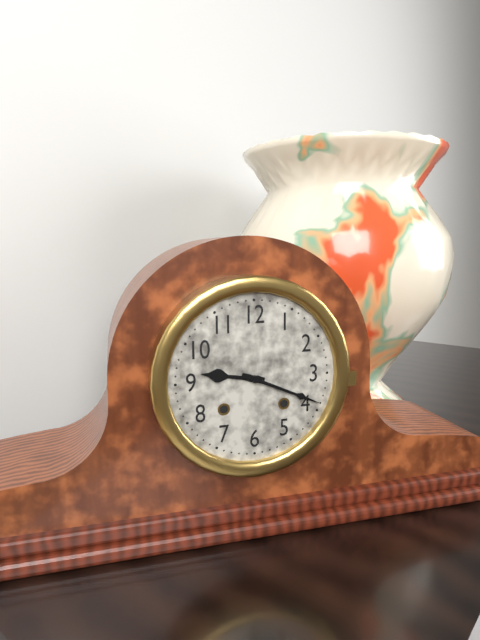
9.19
